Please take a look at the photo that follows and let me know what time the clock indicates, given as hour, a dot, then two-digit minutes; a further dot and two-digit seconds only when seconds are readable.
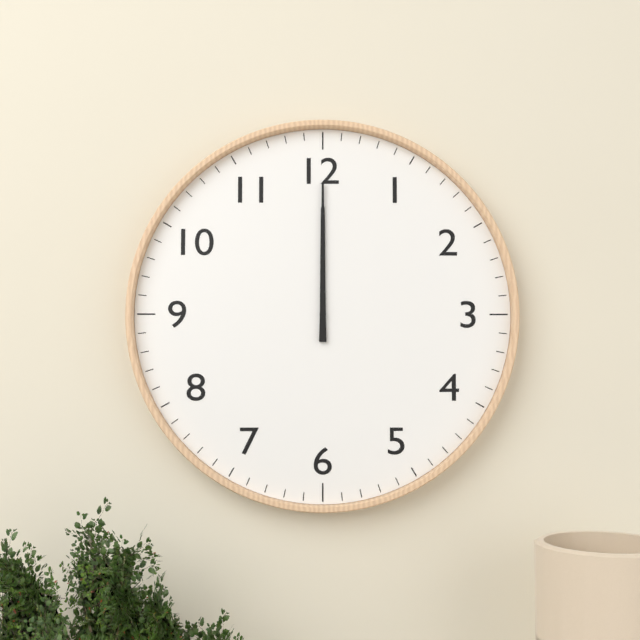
12.00
